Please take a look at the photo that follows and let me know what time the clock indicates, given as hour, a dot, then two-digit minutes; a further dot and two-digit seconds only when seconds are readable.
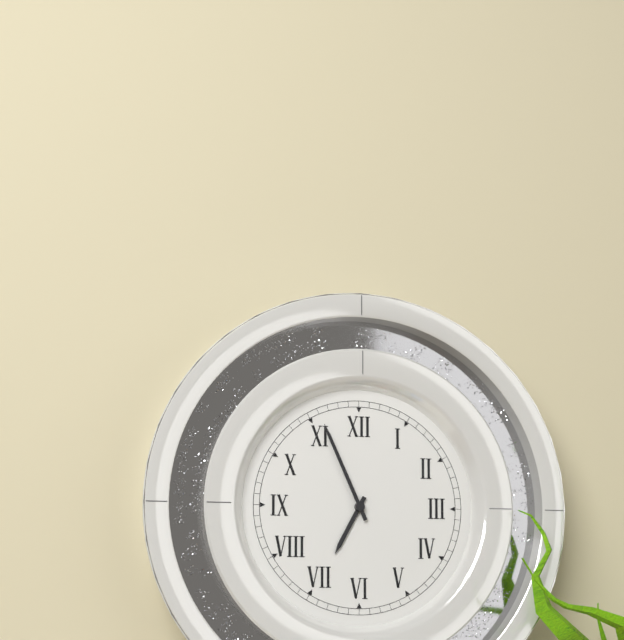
6.56
